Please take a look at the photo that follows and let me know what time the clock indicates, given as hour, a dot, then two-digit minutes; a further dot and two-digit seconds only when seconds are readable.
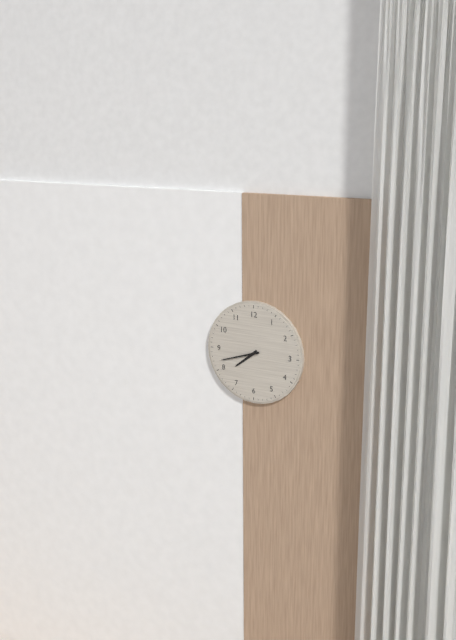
7.42
